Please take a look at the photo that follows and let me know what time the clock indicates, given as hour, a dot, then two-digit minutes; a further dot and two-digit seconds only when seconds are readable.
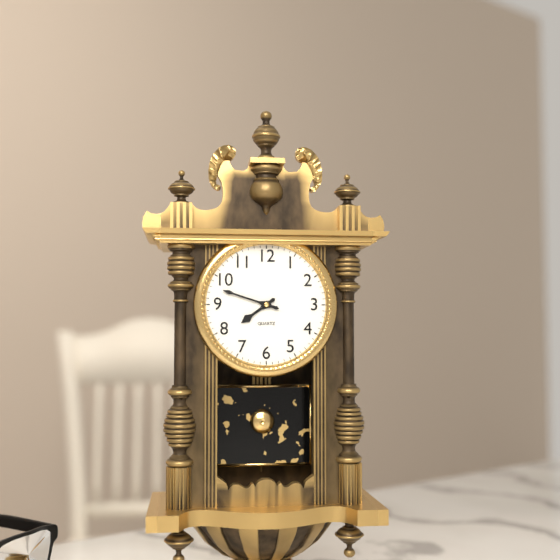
7.48
